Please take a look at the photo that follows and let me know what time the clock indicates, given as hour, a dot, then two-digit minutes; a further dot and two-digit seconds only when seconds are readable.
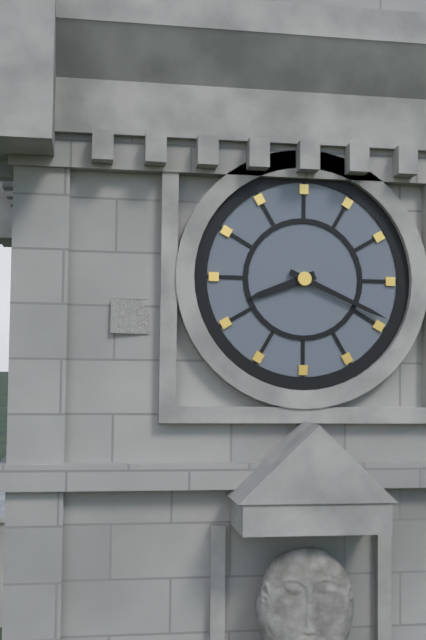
8.19
